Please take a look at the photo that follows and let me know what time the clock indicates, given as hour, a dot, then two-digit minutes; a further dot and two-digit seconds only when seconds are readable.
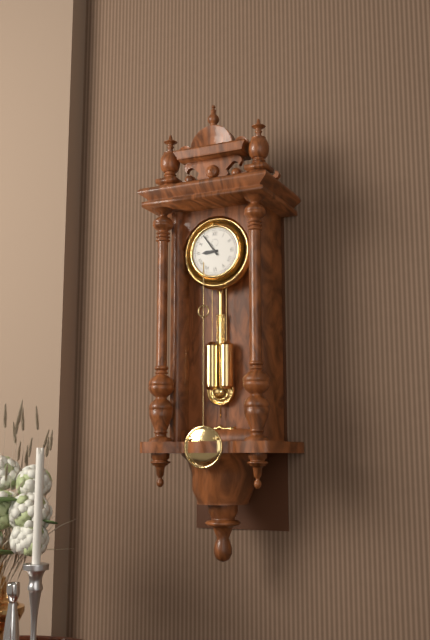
8.54
